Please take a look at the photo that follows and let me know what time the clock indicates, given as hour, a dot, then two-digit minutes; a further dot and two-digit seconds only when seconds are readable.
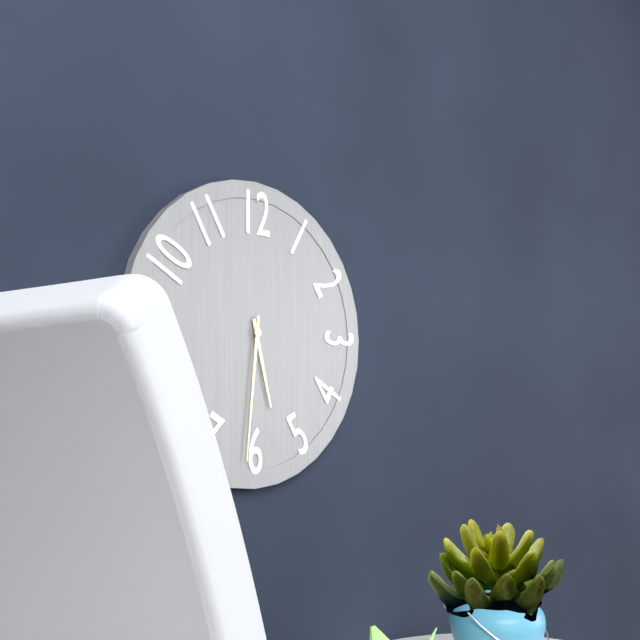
5.31
